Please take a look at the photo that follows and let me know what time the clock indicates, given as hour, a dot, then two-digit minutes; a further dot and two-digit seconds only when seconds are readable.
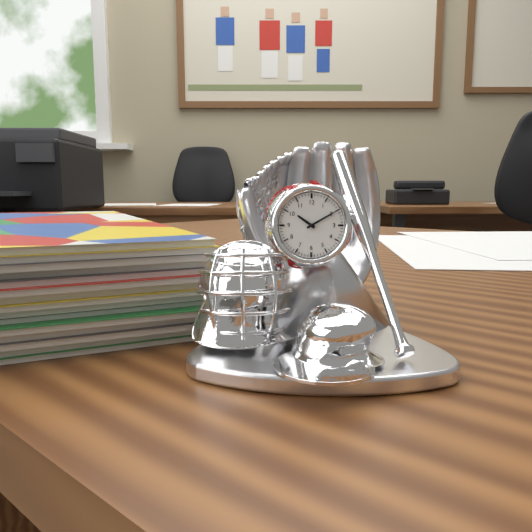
10.10
